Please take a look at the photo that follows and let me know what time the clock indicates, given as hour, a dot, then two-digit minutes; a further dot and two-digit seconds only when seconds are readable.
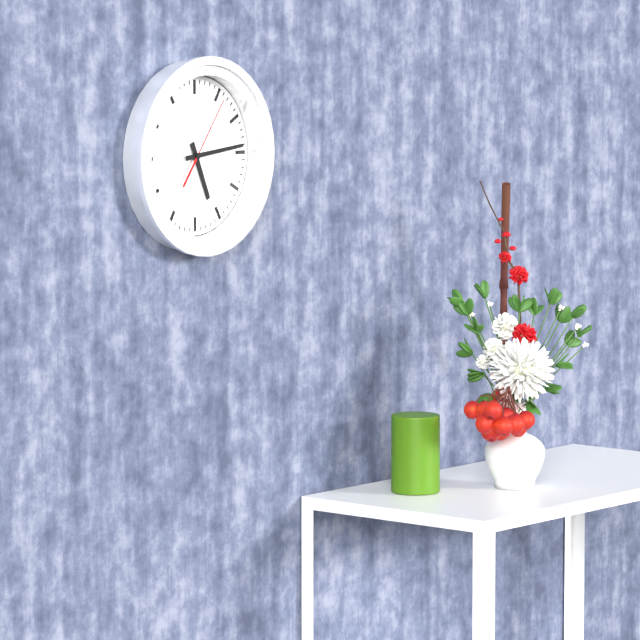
5.14.06
